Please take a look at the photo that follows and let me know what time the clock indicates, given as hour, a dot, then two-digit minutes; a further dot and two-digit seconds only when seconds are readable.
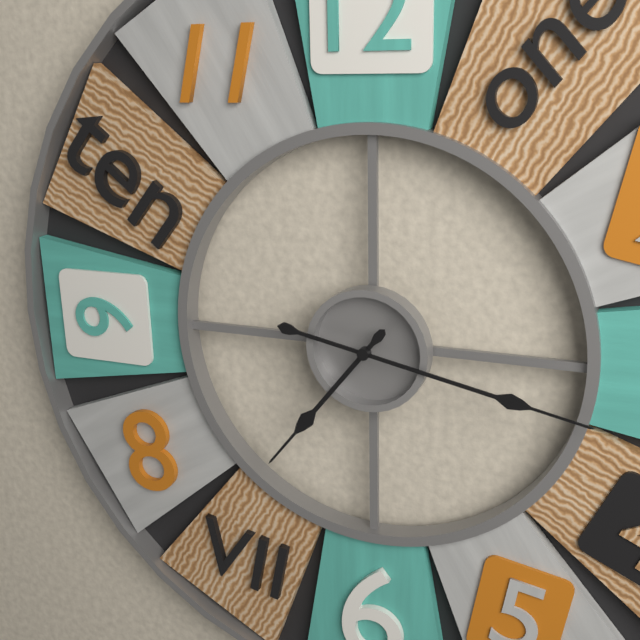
7.17
